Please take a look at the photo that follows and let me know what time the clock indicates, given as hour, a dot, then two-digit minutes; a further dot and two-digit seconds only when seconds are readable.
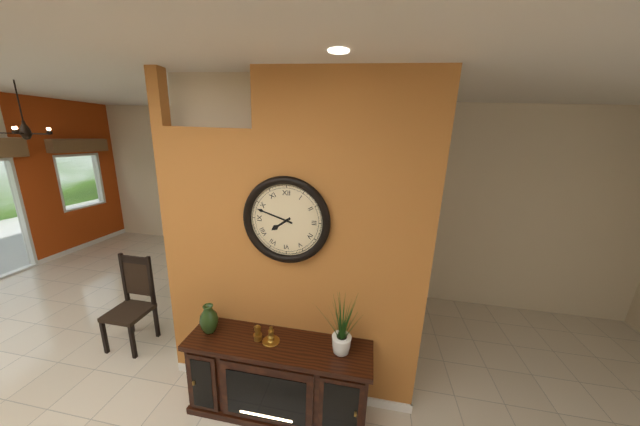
7.48
